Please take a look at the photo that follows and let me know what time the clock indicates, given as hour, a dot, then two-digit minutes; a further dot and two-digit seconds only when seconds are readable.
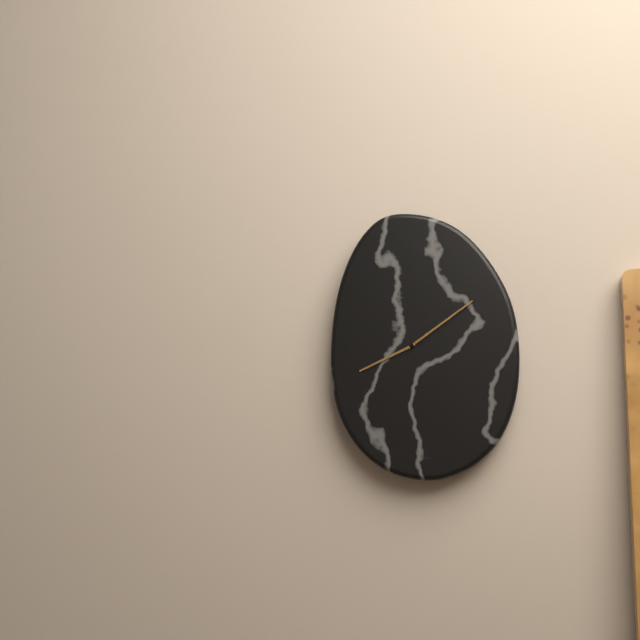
8.09
